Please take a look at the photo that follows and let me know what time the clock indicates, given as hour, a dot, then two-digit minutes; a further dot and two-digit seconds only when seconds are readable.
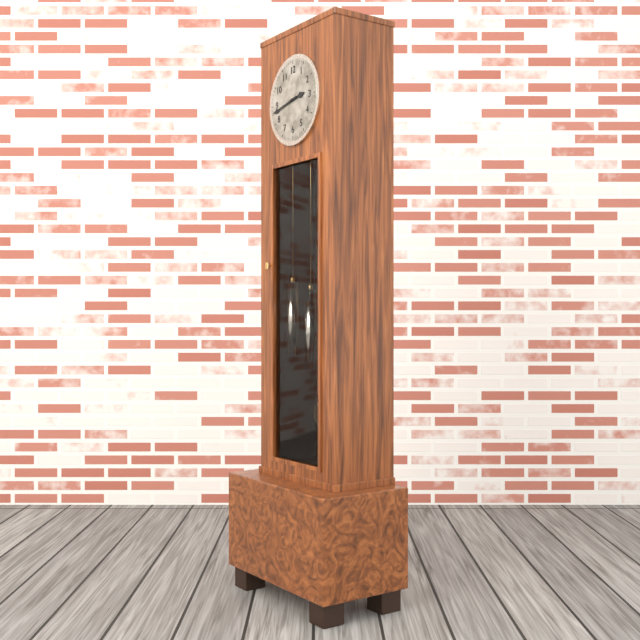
2.43
